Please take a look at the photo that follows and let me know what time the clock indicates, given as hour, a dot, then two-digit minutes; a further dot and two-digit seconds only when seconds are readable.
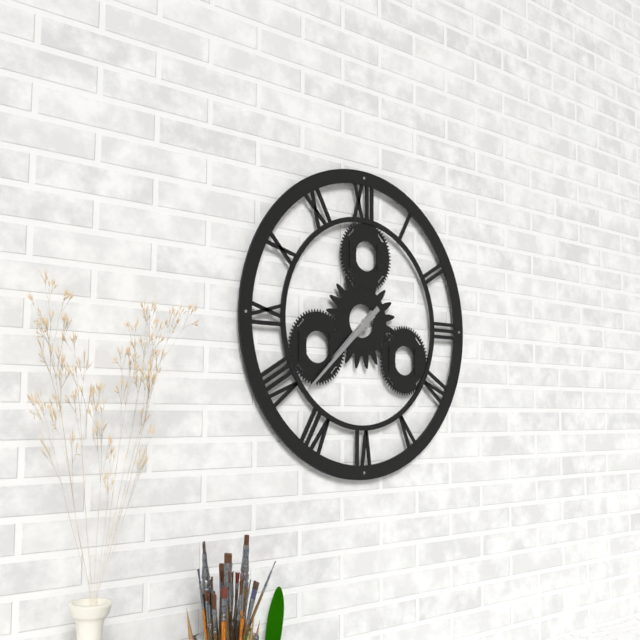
7.38
